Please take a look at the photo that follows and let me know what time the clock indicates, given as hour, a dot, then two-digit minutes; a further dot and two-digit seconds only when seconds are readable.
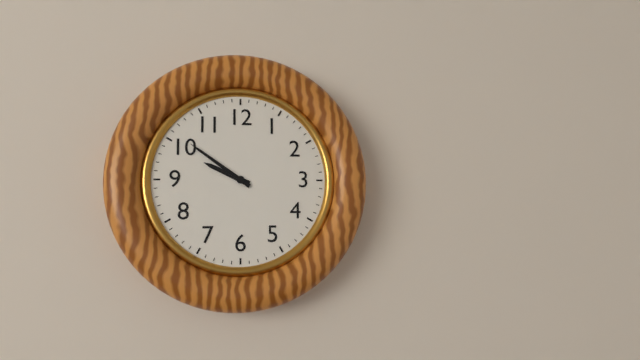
9.51
